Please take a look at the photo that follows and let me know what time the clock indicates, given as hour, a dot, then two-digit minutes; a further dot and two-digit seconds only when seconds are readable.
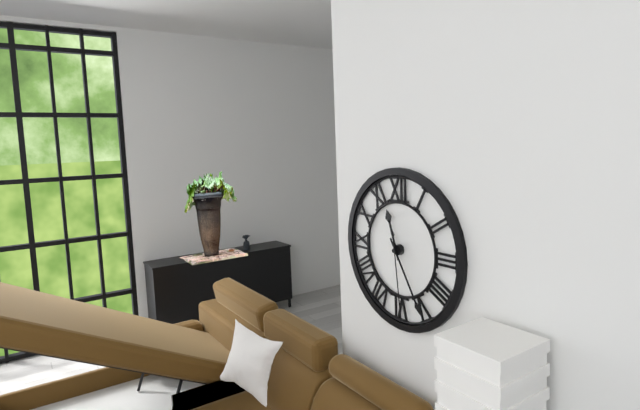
11.25.29
